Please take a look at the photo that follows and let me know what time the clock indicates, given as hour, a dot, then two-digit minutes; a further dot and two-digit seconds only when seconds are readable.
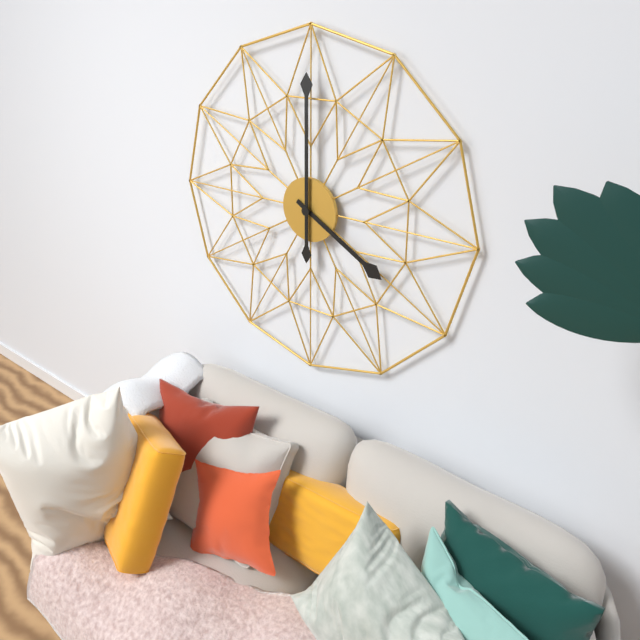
4.00
